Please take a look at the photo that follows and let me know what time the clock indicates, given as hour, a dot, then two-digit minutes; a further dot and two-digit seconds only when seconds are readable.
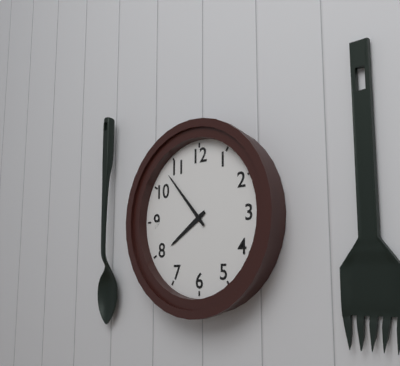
7.53
